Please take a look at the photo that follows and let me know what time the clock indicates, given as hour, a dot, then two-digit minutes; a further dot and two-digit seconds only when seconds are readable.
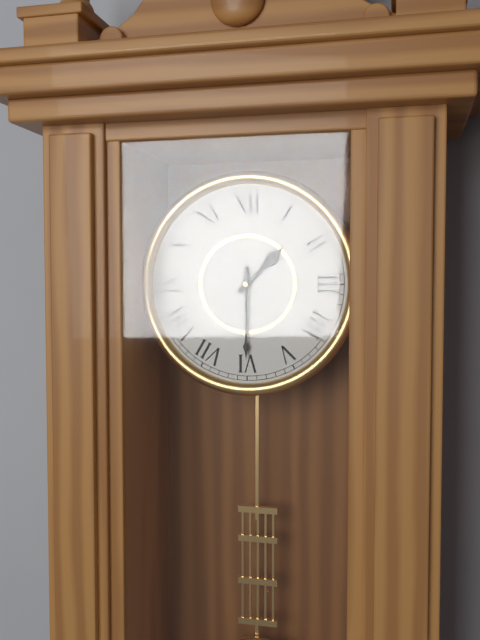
1.30
